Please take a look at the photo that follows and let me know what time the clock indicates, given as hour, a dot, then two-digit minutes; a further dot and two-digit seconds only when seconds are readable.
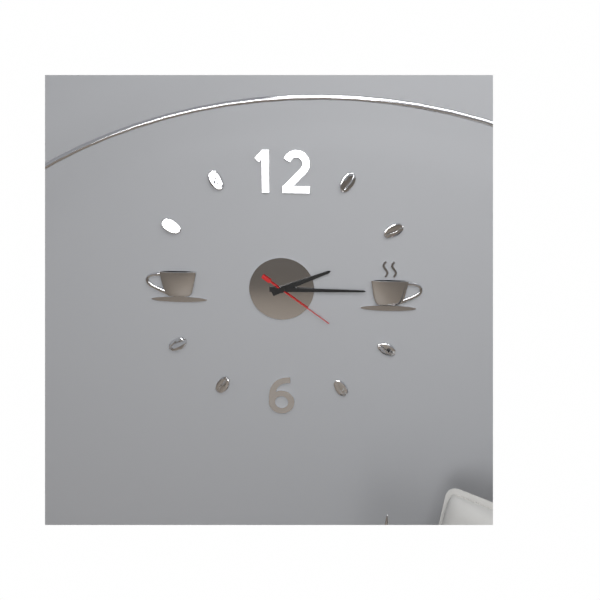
2.15.21
